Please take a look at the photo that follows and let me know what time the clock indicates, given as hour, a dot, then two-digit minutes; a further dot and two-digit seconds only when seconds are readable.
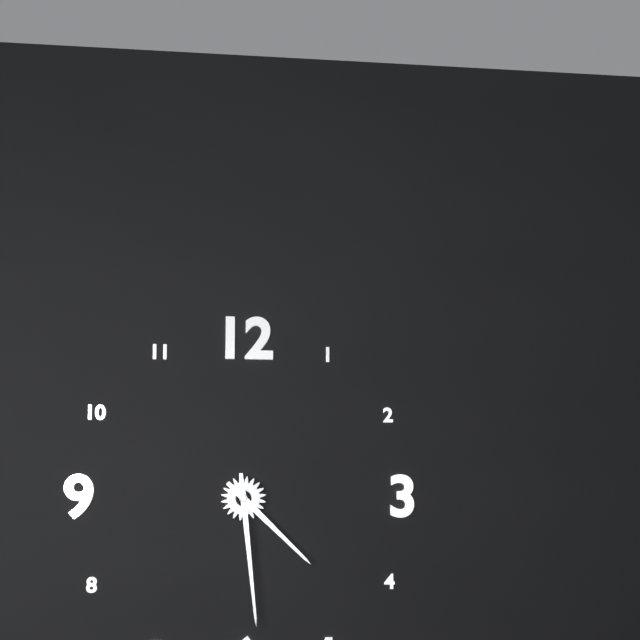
4.29
